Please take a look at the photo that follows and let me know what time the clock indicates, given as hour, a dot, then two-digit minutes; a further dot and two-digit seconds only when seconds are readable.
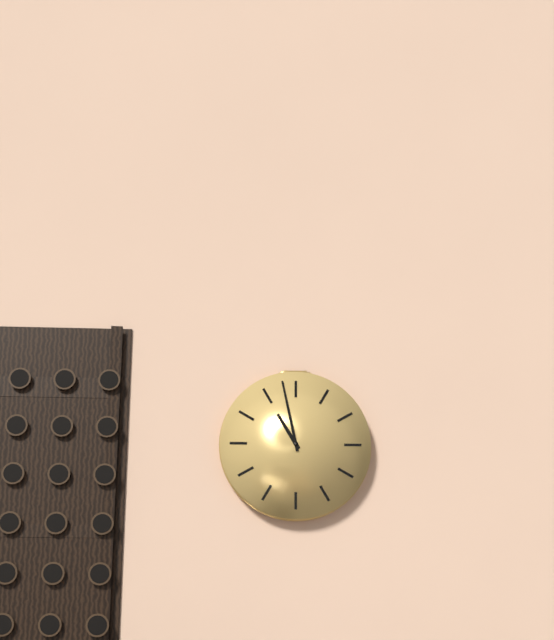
10.58
